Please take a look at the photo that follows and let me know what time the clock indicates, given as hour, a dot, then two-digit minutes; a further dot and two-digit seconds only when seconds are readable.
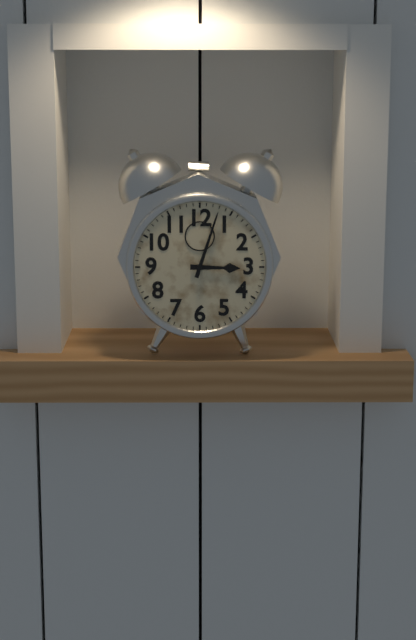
3.03
